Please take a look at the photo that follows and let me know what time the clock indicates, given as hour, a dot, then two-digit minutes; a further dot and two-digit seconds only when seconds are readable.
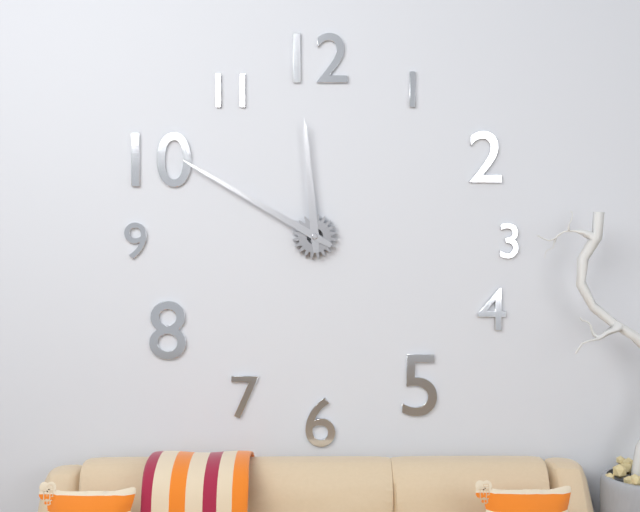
11.50
